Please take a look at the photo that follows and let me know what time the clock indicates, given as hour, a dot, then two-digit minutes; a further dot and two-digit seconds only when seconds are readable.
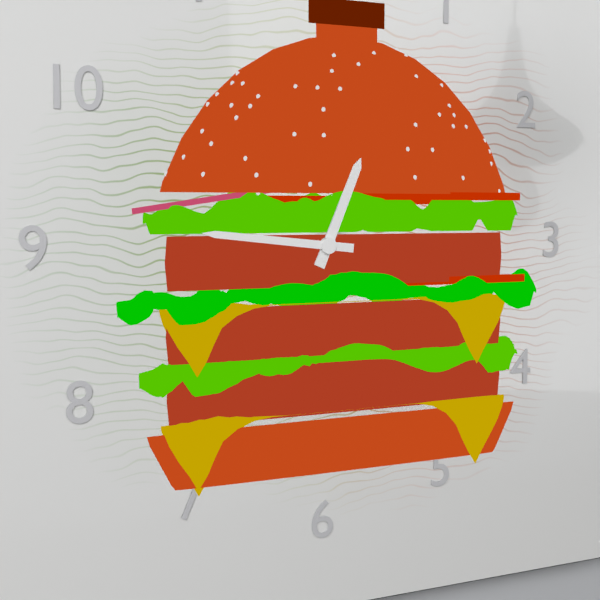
12.46
